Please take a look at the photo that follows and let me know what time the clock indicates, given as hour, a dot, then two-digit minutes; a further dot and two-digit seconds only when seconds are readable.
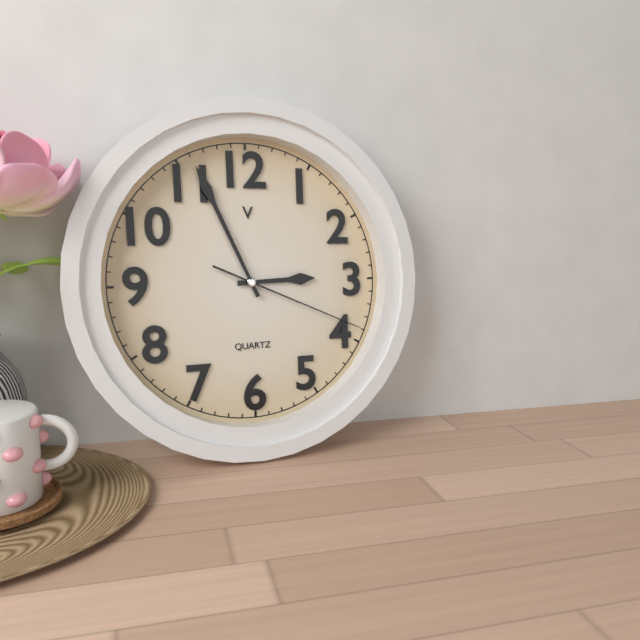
2.56.19
